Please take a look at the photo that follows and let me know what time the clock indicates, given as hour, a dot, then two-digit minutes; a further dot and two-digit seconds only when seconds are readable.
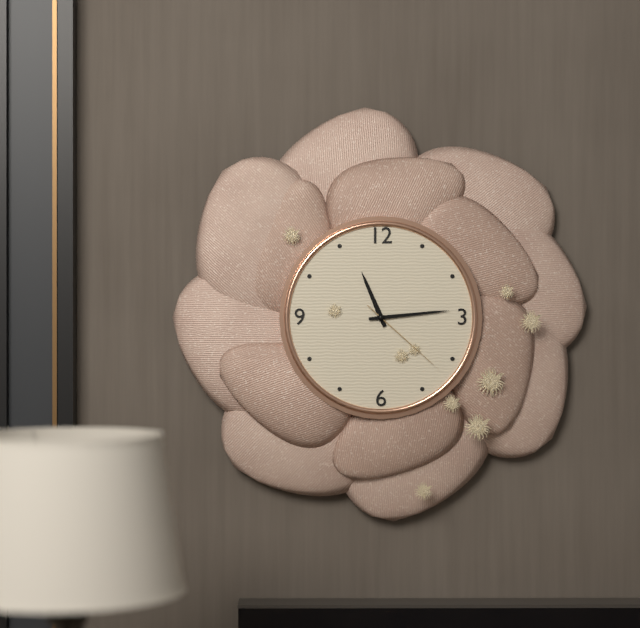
11.14.22
